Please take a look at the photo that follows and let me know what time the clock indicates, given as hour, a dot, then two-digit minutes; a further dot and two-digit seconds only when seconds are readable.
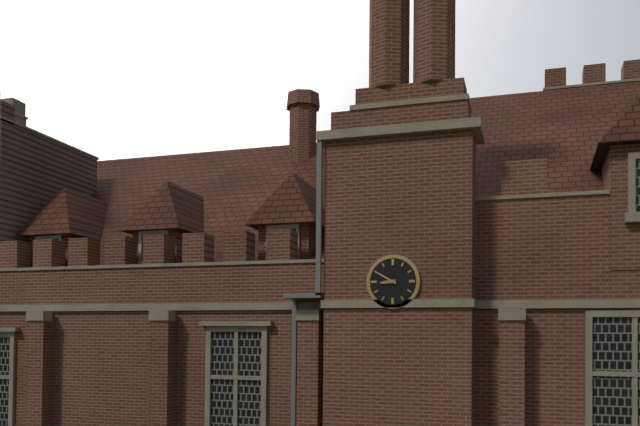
8.50
